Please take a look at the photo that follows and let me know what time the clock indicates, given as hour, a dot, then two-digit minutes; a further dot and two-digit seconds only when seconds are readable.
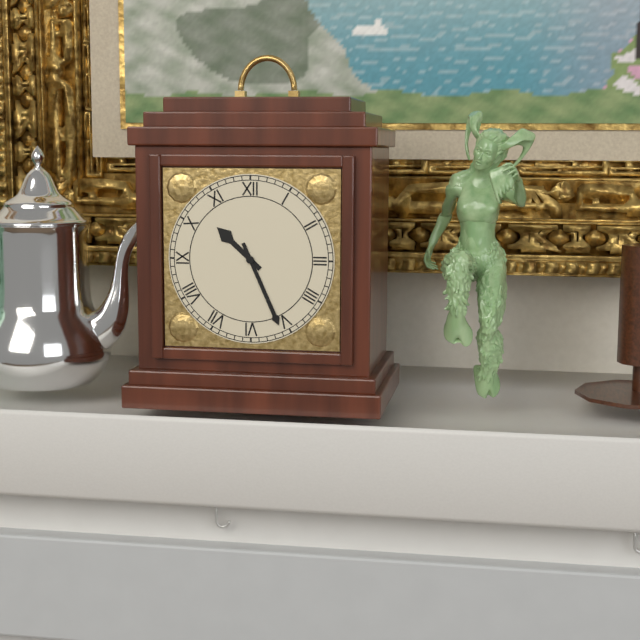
10.26
